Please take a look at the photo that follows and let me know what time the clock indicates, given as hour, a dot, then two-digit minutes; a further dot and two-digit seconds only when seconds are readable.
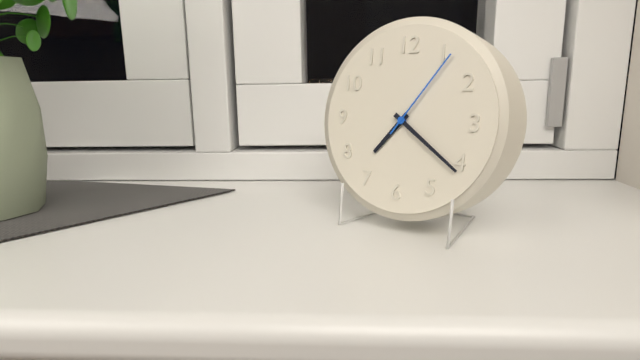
7.21.06
